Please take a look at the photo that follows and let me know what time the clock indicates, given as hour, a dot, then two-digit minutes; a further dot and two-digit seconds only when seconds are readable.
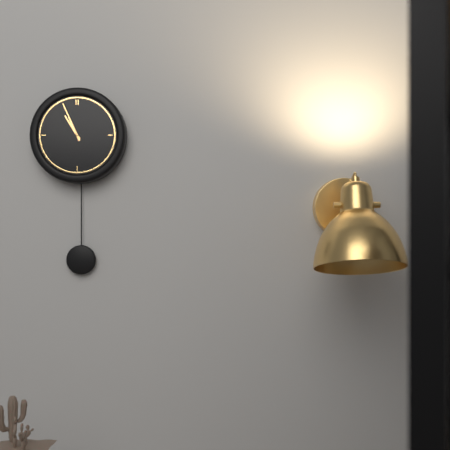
10.56
